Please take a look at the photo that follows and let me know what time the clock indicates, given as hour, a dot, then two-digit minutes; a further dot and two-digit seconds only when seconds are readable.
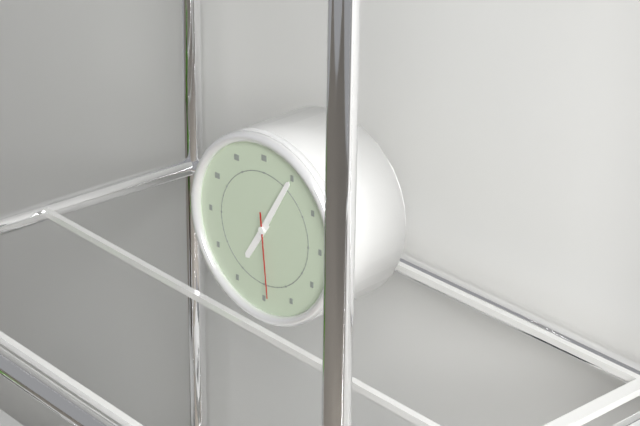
7.05.29
